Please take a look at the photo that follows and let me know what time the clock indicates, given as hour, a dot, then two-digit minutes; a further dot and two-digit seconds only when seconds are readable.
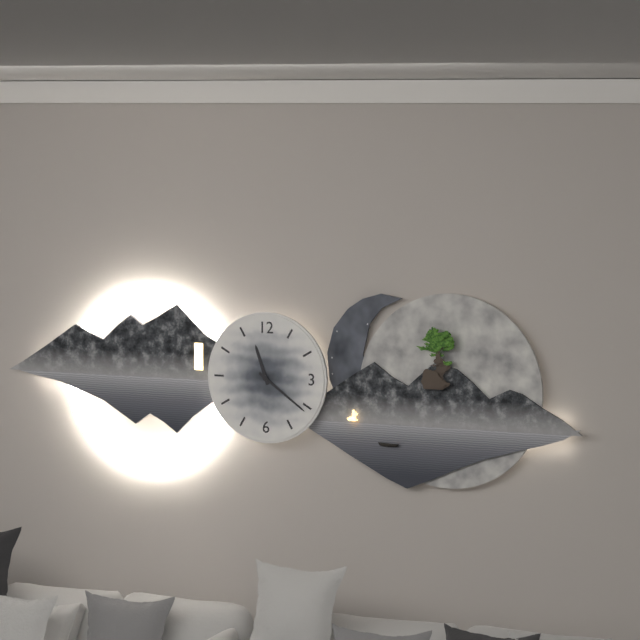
11.21
